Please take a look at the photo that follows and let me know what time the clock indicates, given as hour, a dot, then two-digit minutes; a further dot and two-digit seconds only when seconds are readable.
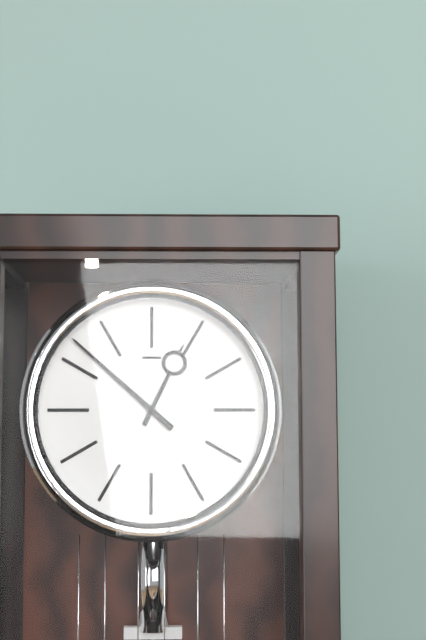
12.52
